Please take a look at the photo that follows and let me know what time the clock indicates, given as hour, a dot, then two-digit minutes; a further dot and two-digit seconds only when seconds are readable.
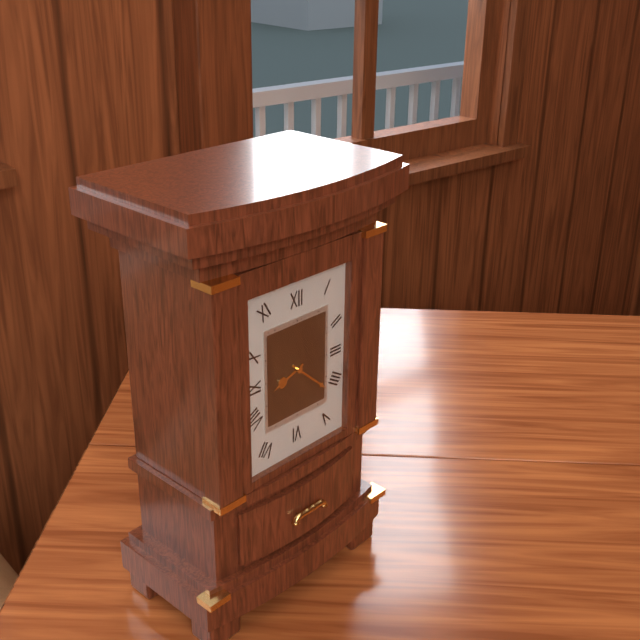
8.22
